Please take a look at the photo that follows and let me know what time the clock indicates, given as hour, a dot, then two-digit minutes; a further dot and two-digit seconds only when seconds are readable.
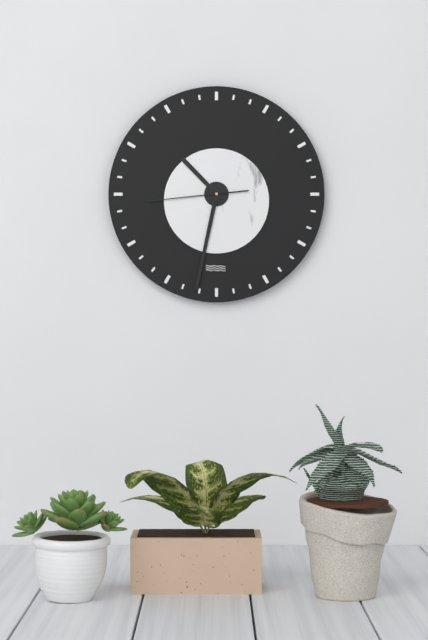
10.32.44
